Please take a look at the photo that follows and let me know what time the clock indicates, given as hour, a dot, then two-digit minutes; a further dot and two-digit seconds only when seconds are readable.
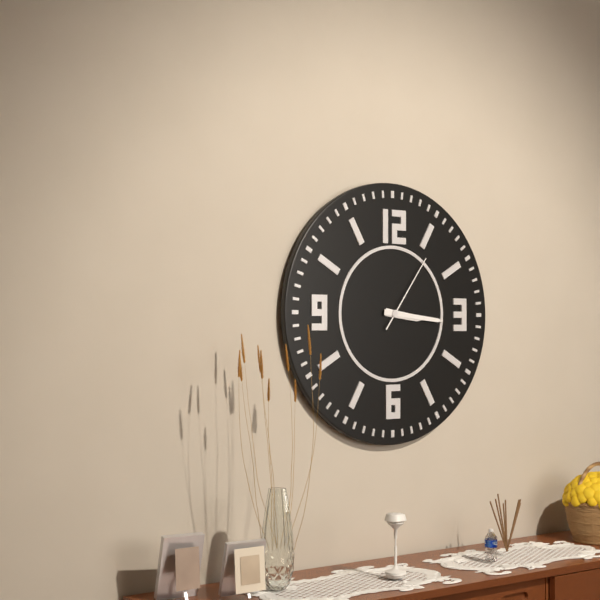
3.16.06
